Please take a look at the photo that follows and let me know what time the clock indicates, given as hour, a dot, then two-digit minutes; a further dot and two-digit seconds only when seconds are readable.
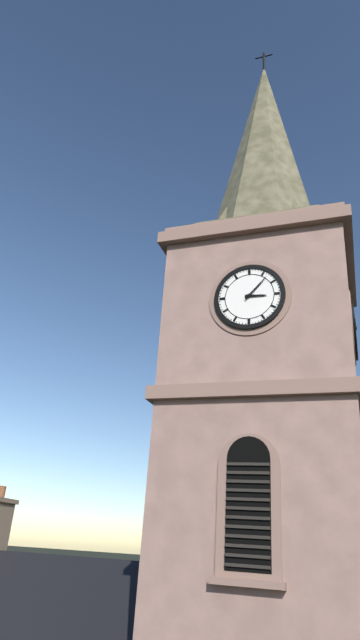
3.07
